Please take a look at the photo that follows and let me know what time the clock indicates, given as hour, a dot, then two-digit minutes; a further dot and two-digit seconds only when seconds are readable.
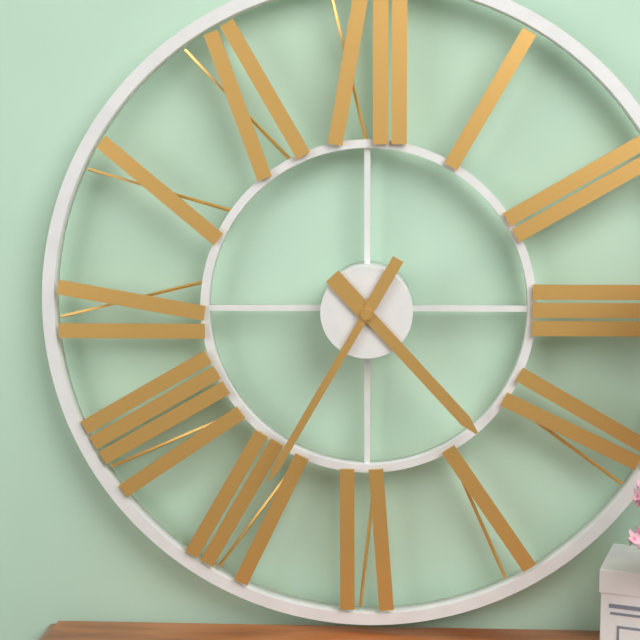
4.35
